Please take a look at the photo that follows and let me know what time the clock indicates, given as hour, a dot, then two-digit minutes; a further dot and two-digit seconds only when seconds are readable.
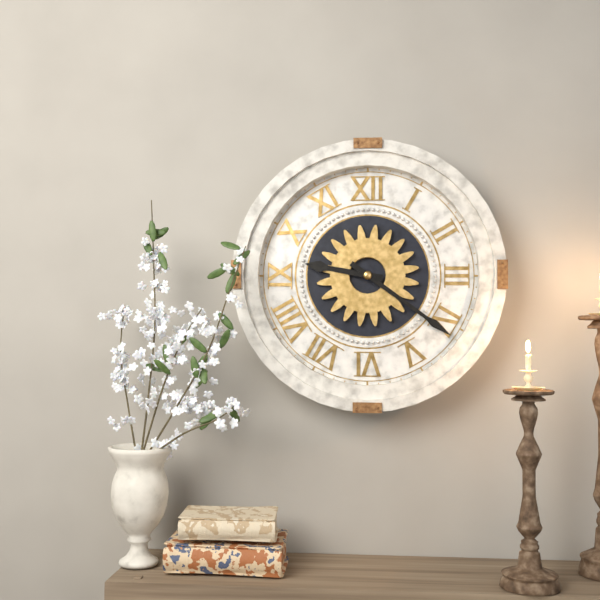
9.21
